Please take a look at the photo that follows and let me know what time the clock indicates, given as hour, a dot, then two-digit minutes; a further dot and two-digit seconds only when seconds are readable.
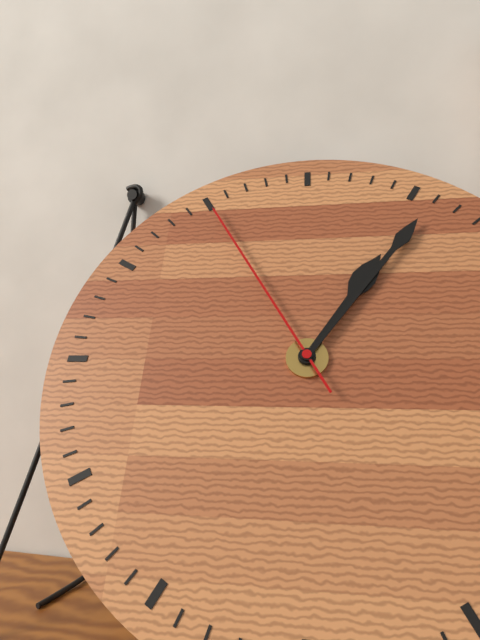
1.06.55
